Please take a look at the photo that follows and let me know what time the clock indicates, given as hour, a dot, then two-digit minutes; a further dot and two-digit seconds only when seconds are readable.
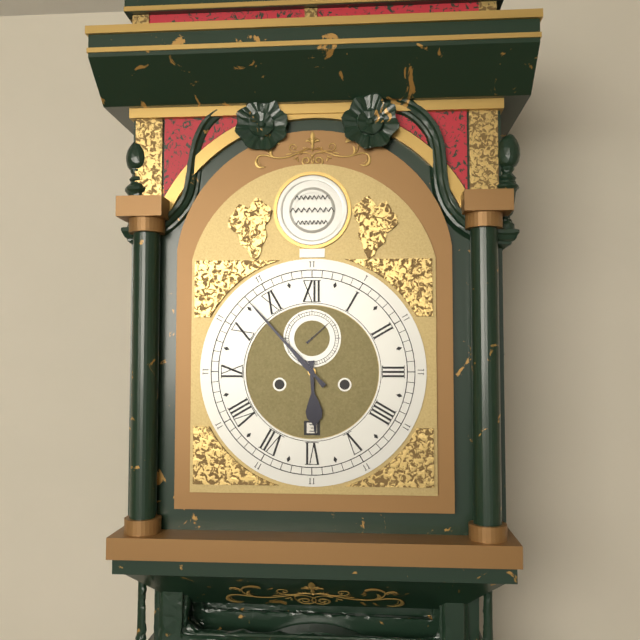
5.53
